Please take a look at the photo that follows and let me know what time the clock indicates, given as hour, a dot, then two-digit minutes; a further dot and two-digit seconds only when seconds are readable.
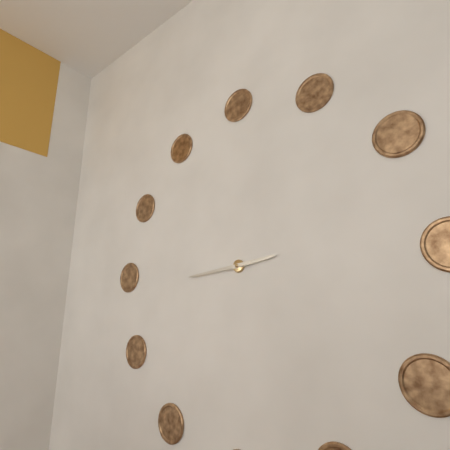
2.44
